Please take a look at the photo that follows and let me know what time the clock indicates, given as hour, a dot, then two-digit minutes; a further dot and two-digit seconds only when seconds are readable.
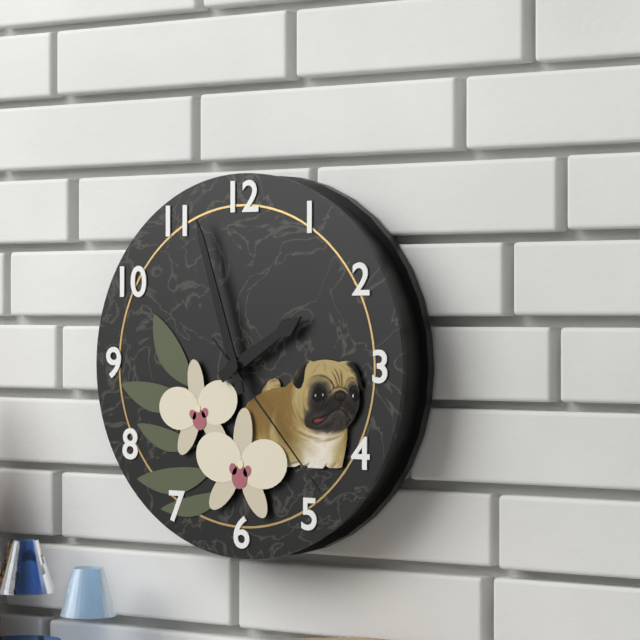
1.57.23
